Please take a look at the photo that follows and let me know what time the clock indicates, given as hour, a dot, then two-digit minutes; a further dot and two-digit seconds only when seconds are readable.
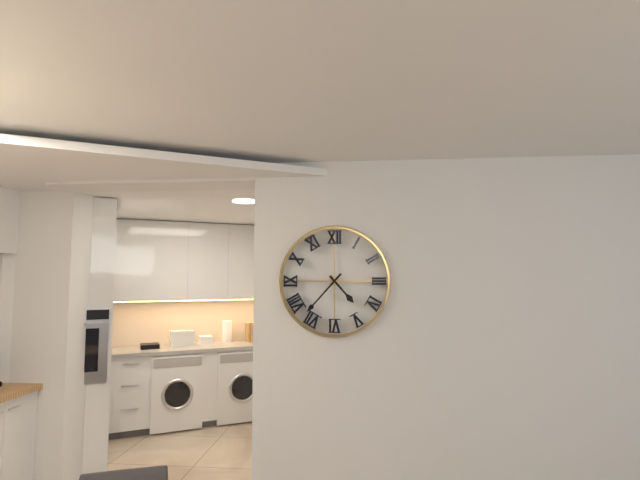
4.37
